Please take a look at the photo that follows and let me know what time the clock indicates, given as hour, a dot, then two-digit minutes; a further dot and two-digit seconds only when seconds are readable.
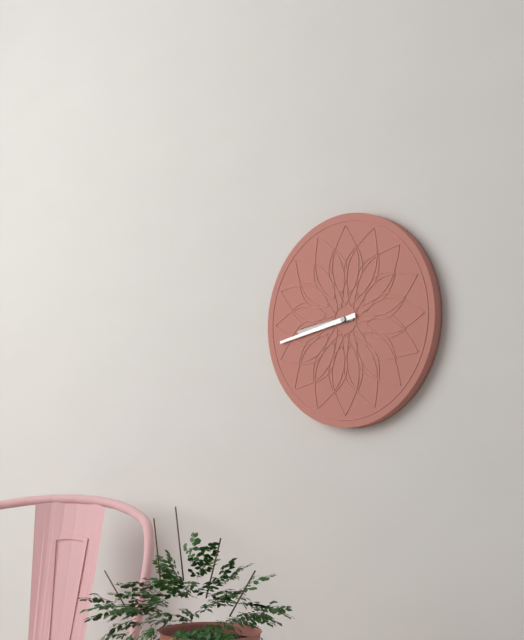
8.43
